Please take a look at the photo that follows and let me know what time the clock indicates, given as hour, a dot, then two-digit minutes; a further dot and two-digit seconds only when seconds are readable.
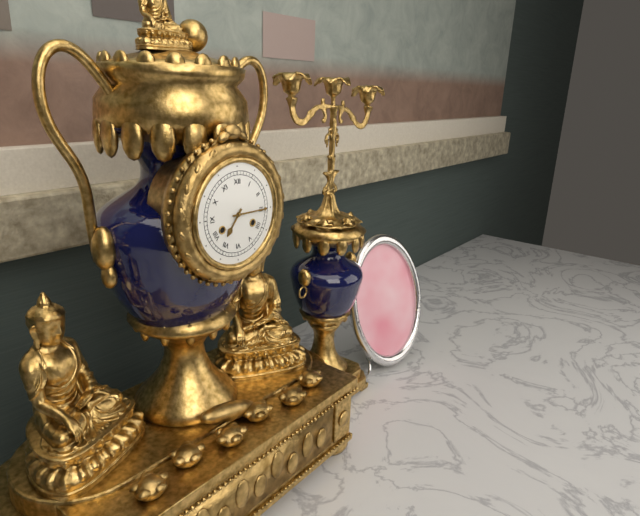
7.15
